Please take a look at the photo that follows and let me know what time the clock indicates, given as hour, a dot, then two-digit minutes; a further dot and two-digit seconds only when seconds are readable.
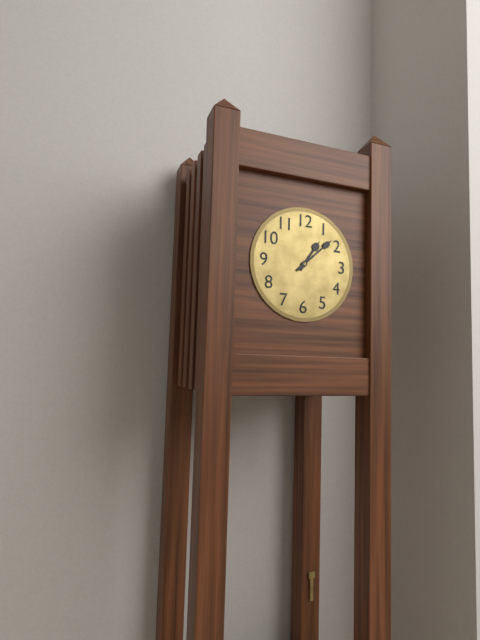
1.08
